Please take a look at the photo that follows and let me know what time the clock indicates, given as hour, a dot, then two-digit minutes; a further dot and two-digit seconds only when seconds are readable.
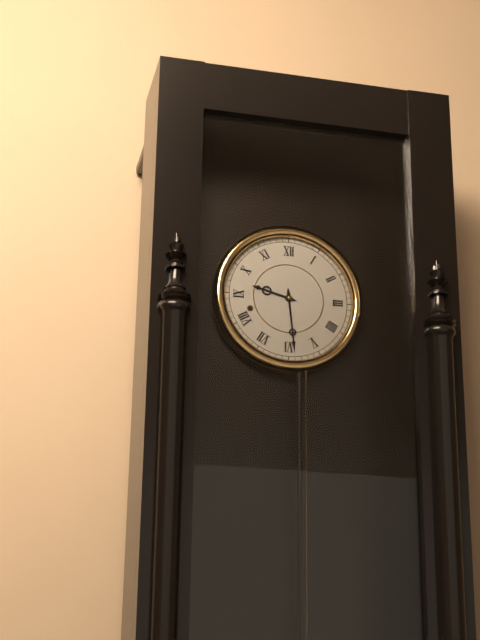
9.29
